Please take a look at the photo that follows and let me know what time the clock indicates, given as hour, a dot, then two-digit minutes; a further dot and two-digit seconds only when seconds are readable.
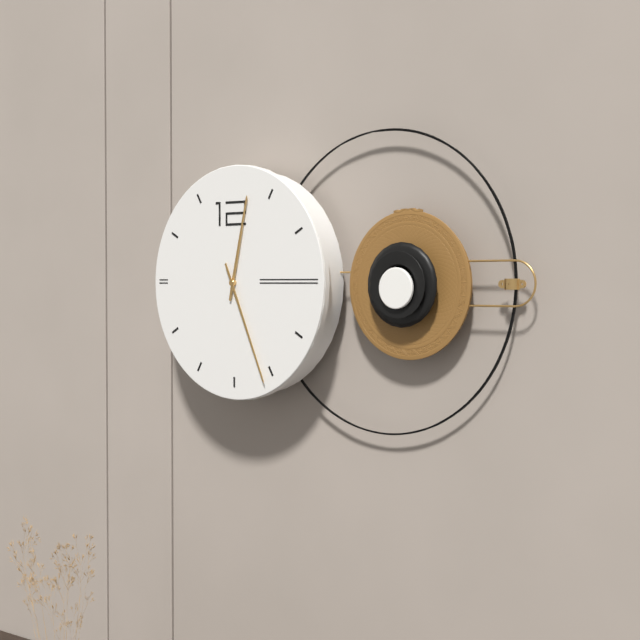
12.26
